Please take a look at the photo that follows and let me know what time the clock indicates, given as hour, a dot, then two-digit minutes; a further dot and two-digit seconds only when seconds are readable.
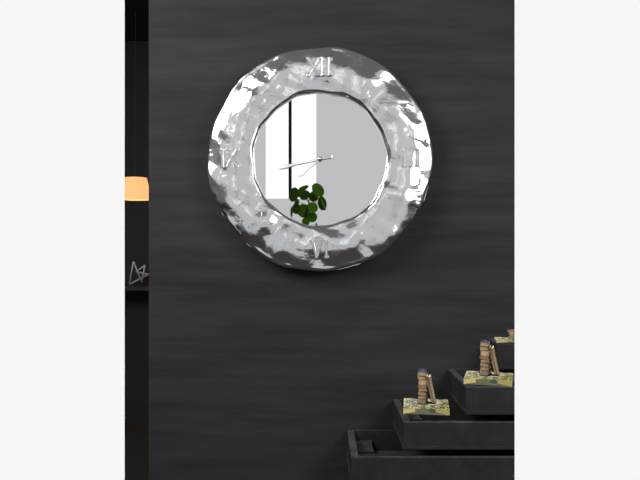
7.43
